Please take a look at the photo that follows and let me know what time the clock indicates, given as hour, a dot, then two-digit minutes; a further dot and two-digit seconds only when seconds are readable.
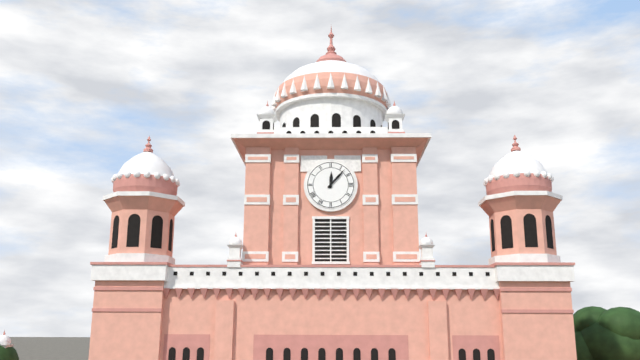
12.07
